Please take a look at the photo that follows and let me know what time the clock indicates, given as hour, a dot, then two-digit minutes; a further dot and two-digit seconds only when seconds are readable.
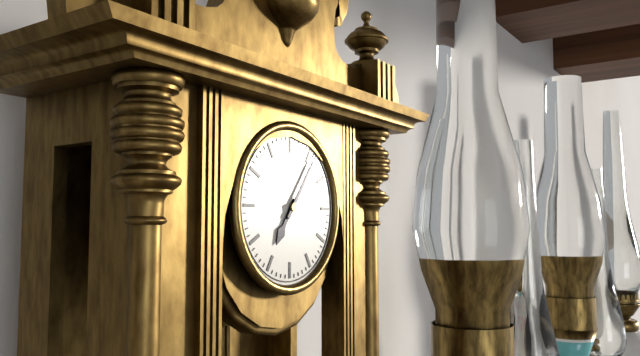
7.06
